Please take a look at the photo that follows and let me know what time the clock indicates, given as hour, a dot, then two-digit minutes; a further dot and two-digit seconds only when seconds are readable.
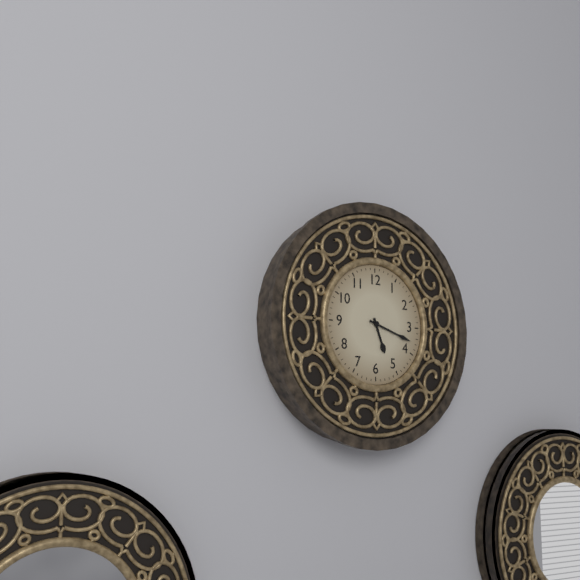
5.18
